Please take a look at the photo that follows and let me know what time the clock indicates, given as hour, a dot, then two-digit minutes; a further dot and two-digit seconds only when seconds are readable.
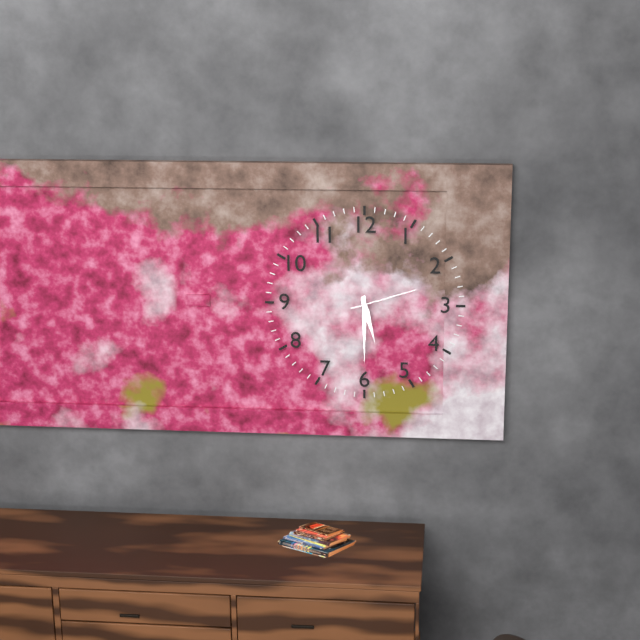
5.30.12
